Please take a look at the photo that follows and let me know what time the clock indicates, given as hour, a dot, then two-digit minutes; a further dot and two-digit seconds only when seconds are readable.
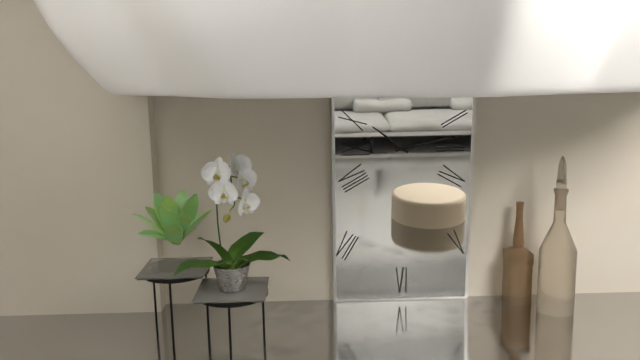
10.13
